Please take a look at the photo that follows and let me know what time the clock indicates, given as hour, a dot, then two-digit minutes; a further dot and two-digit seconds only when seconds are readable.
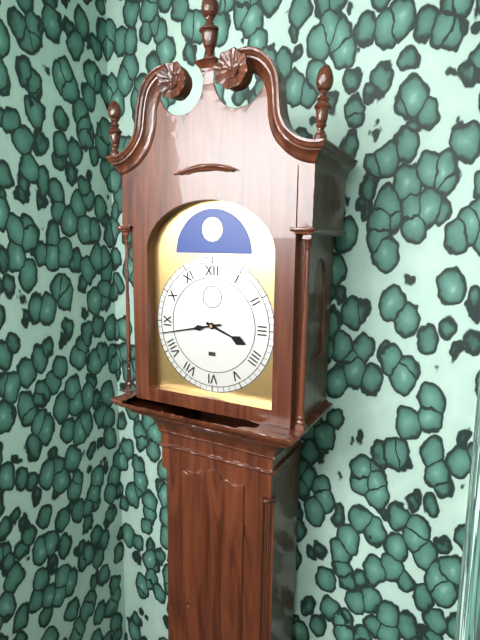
3.43
